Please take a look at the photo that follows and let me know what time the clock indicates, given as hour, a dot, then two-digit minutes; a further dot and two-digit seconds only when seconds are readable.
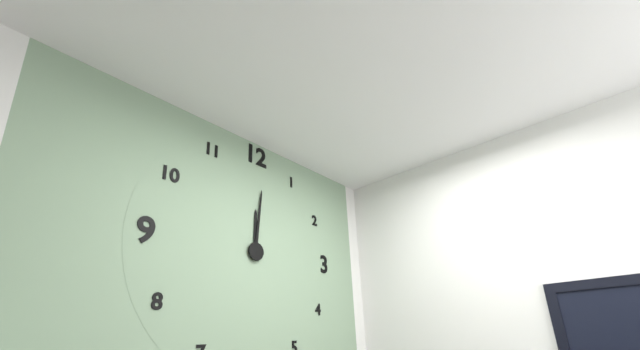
12.01
